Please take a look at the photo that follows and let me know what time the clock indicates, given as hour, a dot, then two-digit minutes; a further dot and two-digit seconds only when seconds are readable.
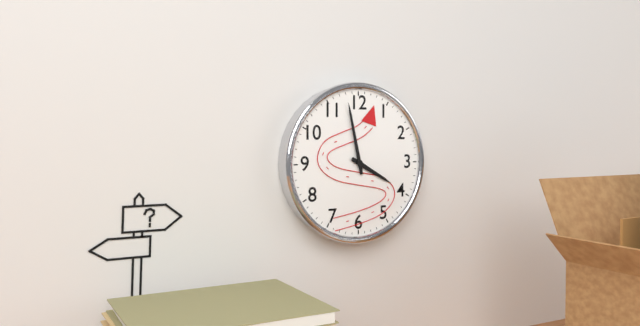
3.58
